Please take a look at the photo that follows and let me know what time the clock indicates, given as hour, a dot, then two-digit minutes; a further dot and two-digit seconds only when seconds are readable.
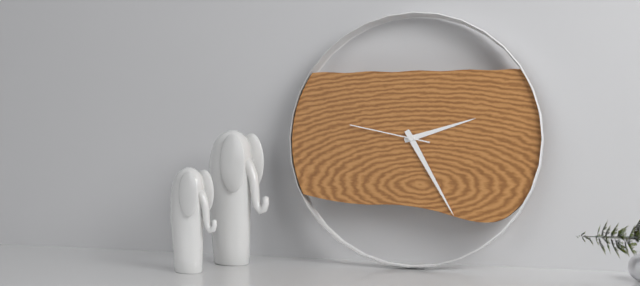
2.25.47
